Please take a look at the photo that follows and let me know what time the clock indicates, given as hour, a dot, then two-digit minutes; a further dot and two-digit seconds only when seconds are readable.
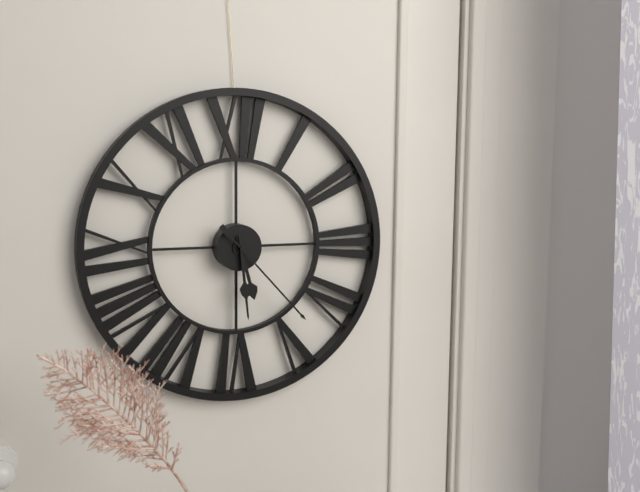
5.29.23
